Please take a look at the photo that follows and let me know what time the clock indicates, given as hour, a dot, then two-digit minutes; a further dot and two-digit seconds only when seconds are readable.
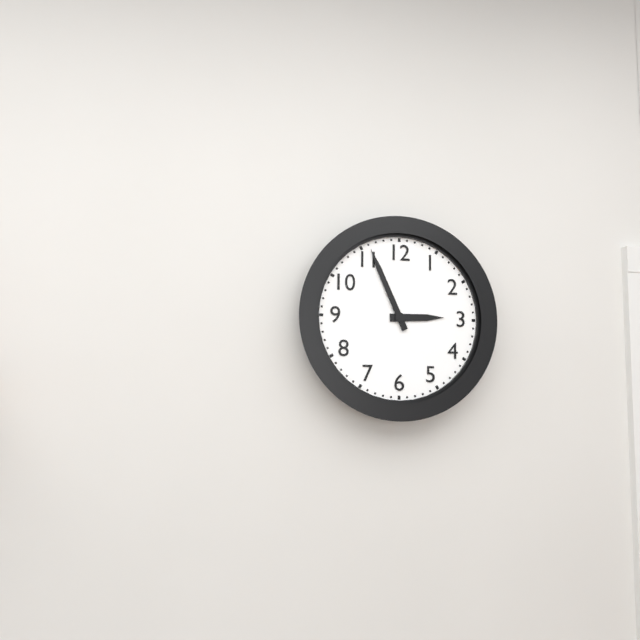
2.56
